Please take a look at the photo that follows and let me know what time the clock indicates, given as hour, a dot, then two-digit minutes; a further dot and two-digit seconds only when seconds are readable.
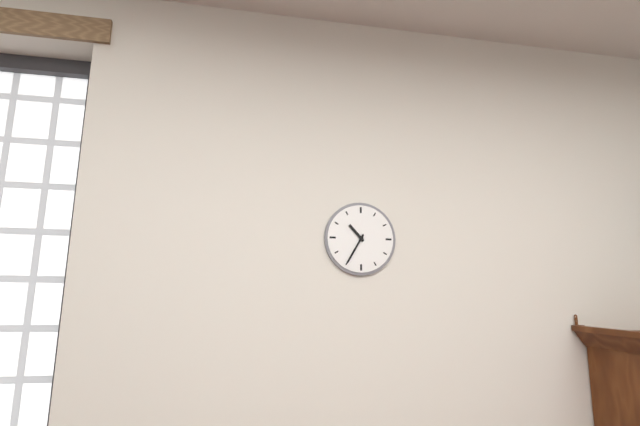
10.35
